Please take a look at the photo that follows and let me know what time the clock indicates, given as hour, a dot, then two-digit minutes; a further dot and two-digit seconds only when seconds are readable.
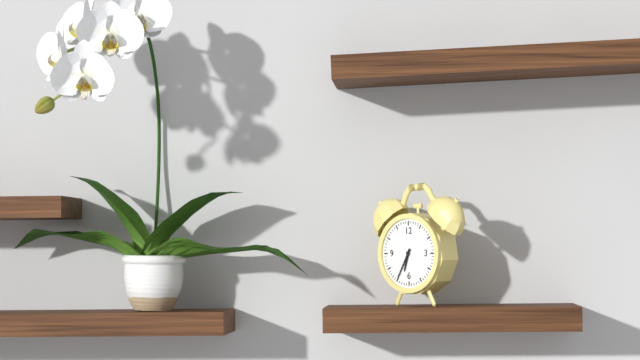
6.35
